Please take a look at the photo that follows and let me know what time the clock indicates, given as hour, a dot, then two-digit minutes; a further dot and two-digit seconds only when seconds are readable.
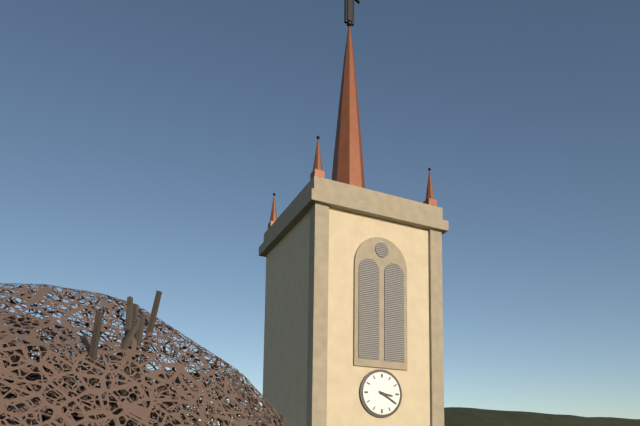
3.20
